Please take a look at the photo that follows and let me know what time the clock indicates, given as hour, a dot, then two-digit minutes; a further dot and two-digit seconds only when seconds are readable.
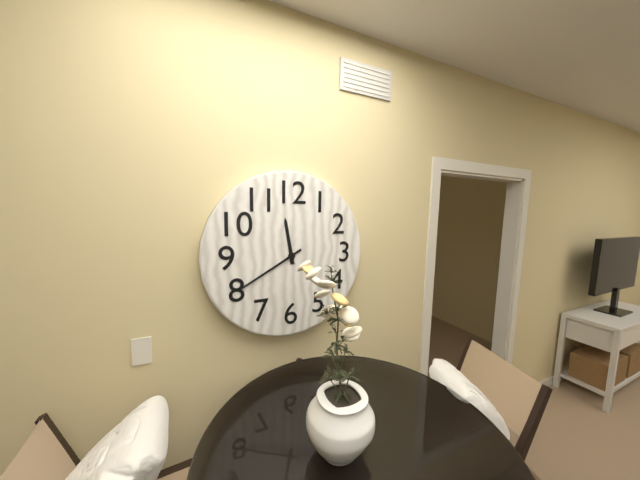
11.40
